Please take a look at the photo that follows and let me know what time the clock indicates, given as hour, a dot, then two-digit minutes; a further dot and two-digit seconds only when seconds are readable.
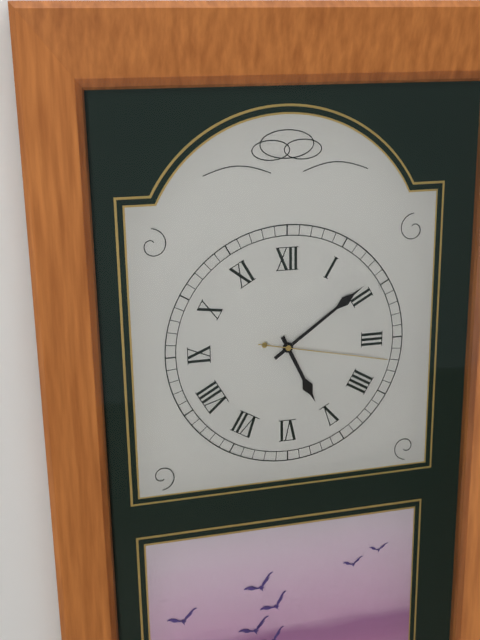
5.09.17
